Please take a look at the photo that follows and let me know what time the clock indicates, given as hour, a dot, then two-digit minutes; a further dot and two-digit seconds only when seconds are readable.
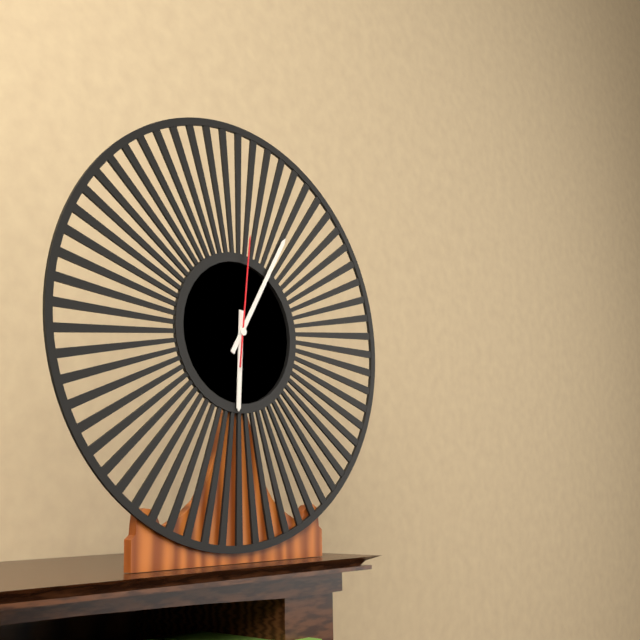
6.05.01
